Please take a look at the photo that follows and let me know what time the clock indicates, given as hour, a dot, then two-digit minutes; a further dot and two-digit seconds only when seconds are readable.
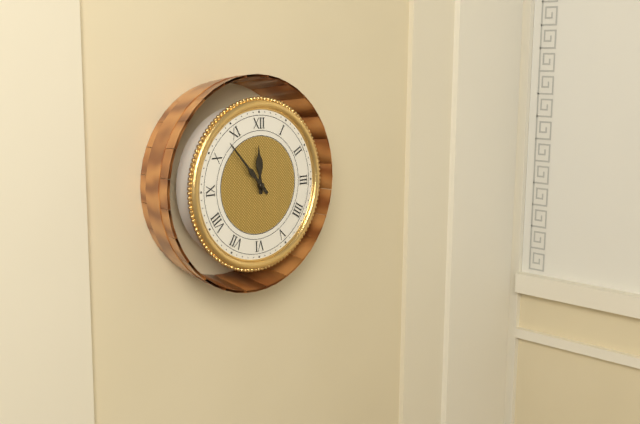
11.53
